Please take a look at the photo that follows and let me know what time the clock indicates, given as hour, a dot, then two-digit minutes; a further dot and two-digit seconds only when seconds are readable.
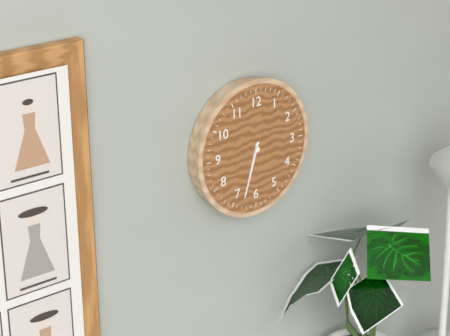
6.33
